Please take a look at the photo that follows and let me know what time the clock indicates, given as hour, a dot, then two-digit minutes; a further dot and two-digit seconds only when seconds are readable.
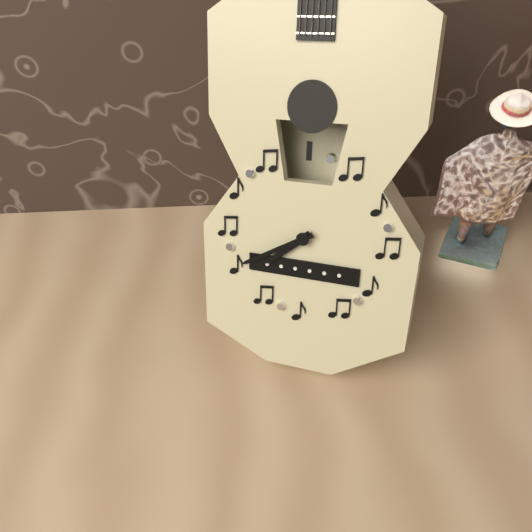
7.40
